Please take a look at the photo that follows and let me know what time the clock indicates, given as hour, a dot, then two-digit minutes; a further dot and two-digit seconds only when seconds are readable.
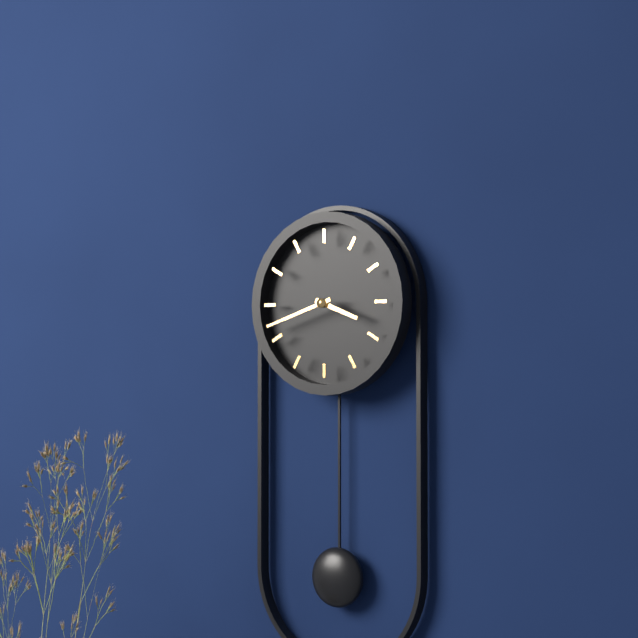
3.42
